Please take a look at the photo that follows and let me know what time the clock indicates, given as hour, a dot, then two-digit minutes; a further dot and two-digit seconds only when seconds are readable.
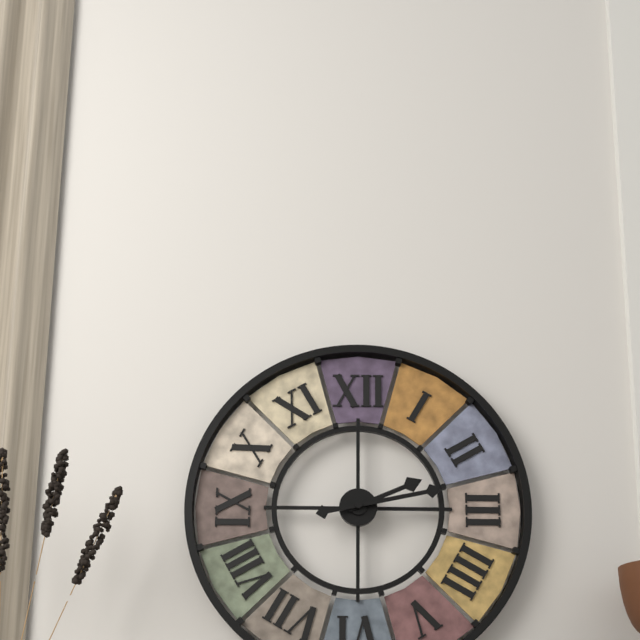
2.13
